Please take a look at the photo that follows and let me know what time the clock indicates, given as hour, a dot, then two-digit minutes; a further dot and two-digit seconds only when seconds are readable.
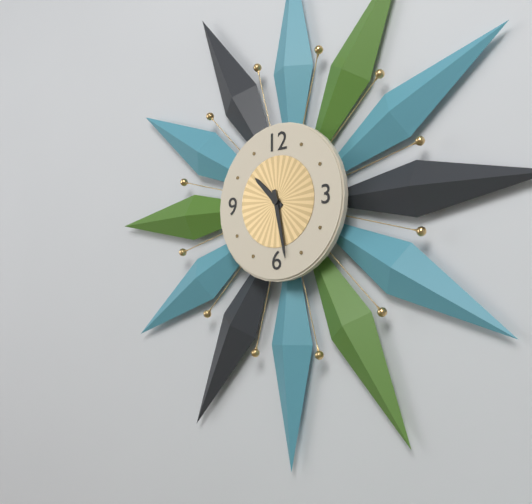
10.28
